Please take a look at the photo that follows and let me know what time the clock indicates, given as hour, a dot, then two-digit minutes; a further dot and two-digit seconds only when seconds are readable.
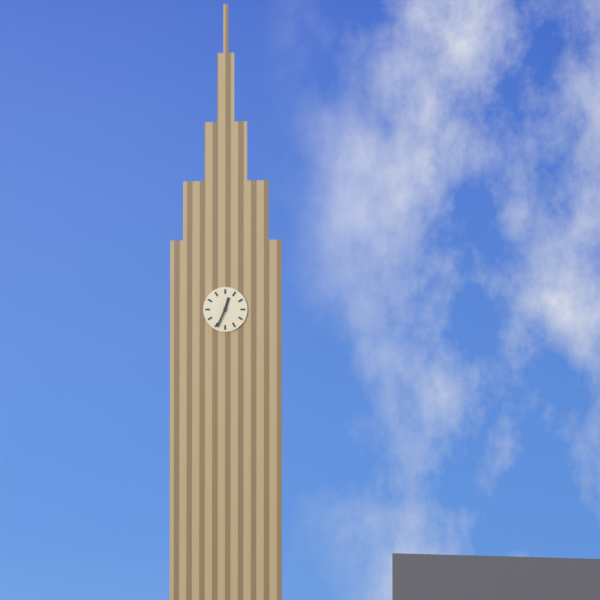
12.34
